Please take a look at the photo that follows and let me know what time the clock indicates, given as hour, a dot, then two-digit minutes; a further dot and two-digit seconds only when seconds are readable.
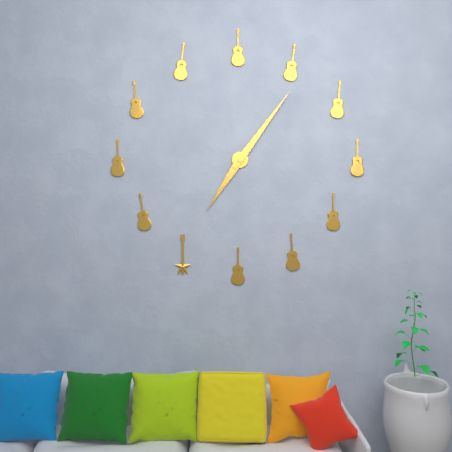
7.06
